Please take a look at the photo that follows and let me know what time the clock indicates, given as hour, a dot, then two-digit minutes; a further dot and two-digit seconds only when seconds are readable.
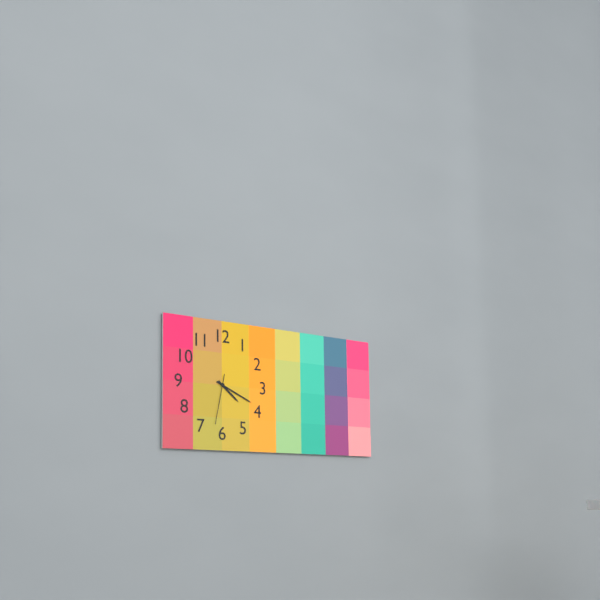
4.19.32
